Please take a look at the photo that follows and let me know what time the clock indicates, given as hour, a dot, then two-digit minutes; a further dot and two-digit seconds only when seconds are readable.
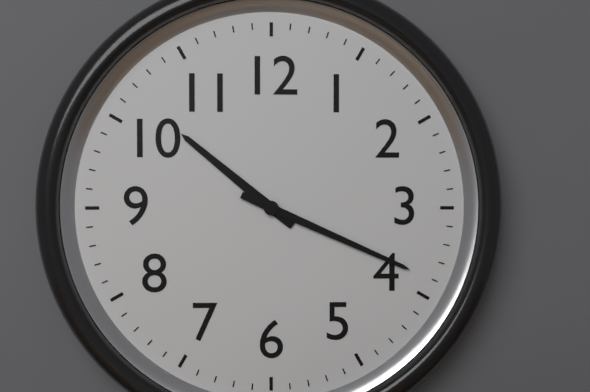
10.19
